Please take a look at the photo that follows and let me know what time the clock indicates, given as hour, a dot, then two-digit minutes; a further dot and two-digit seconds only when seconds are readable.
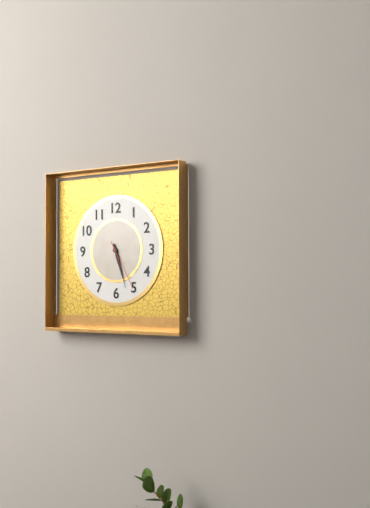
5.27.25
